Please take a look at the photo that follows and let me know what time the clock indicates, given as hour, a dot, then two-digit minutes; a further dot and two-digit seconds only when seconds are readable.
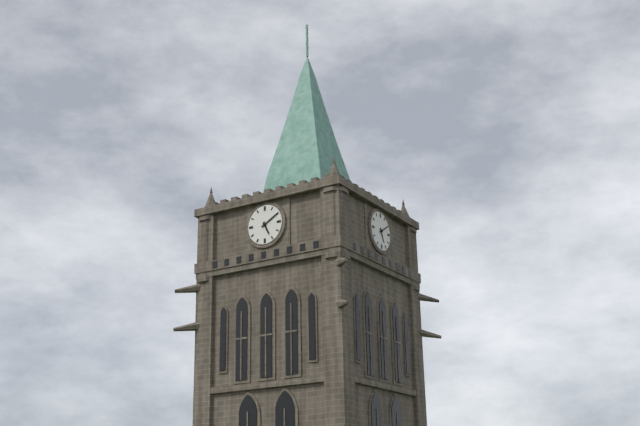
5.10
